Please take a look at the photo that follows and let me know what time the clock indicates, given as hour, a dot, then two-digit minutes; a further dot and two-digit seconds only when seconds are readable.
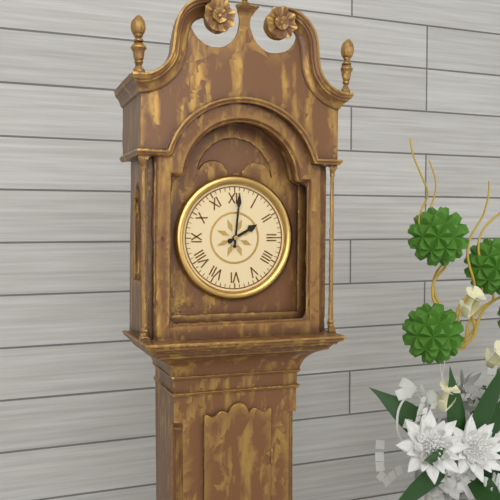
2.01
